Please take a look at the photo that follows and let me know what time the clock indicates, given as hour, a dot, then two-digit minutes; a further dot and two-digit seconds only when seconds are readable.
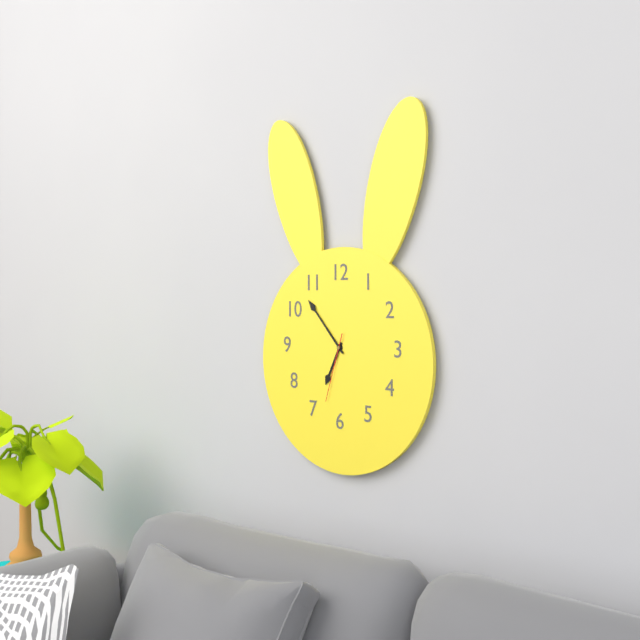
6.53.33
